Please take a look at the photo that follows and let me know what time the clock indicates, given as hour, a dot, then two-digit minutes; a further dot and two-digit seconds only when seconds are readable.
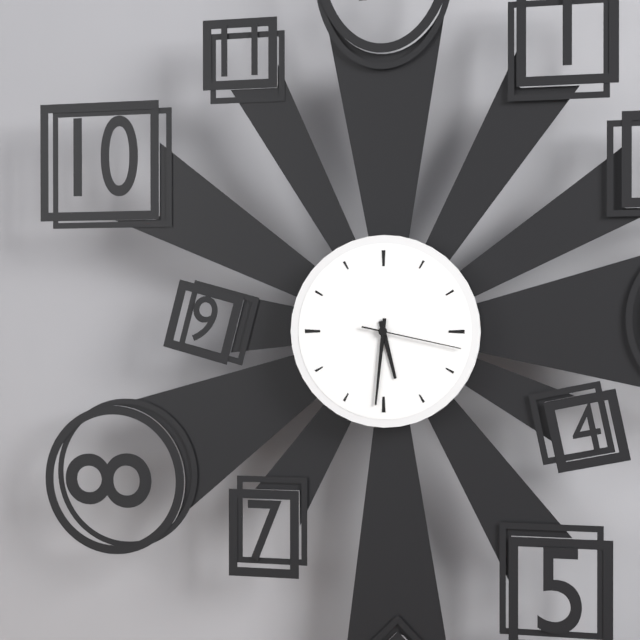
5.31.17
